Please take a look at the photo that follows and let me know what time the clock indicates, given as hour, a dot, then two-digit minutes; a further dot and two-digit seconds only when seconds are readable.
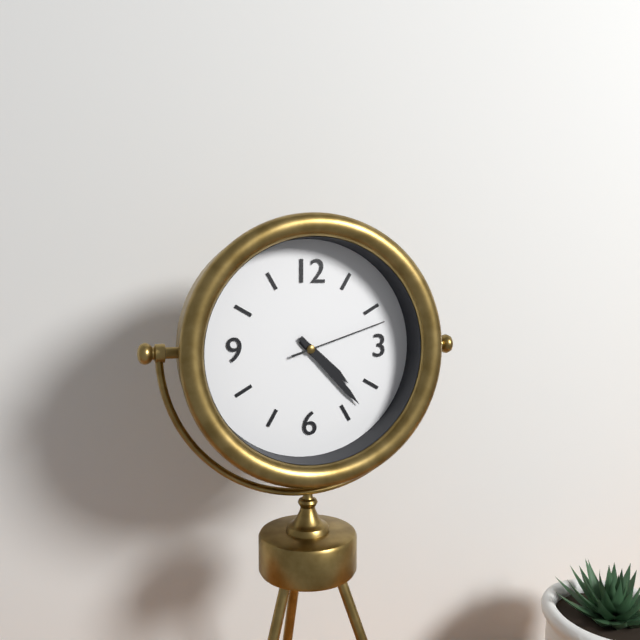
4.23.12
